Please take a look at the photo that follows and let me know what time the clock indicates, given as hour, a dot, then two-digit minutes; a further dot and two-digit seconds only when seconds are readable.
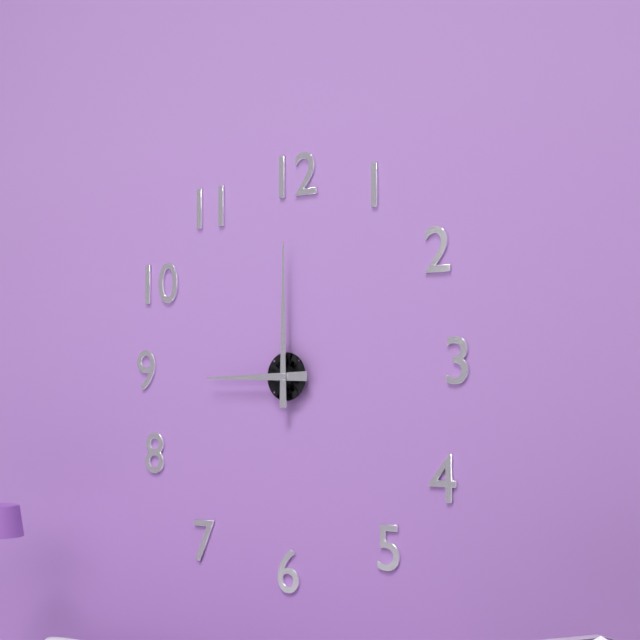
9.00
